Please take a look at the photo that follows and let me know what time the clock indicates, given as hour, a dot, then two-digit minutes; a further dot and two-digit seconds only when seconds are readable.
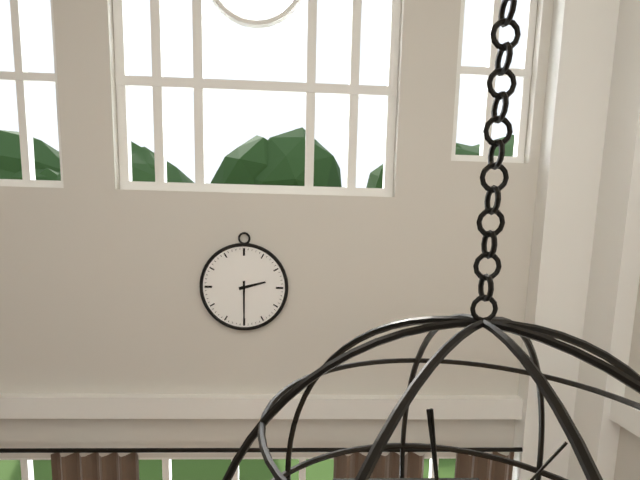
2.30
